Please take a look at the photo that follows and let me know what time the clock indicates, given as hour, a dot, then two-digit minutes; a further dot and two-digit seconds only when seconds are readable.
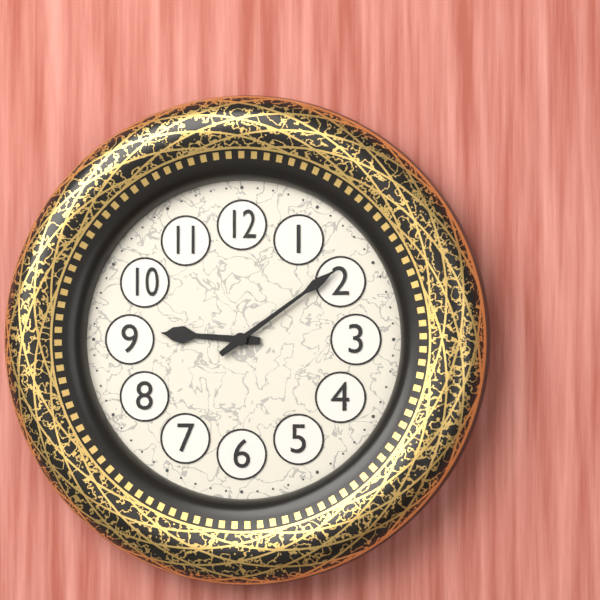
9.09
